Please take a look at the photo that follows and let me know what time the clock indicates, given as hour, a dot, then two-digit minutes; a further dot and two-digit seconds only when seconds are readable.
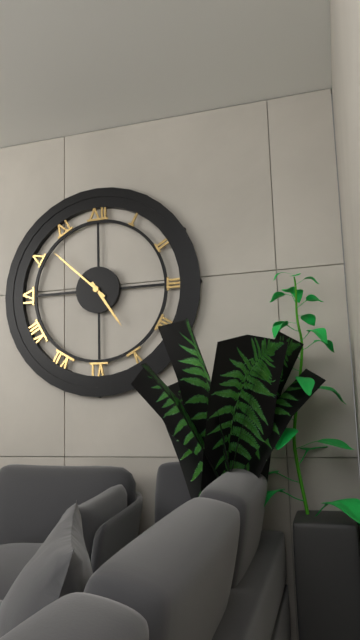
4.52
